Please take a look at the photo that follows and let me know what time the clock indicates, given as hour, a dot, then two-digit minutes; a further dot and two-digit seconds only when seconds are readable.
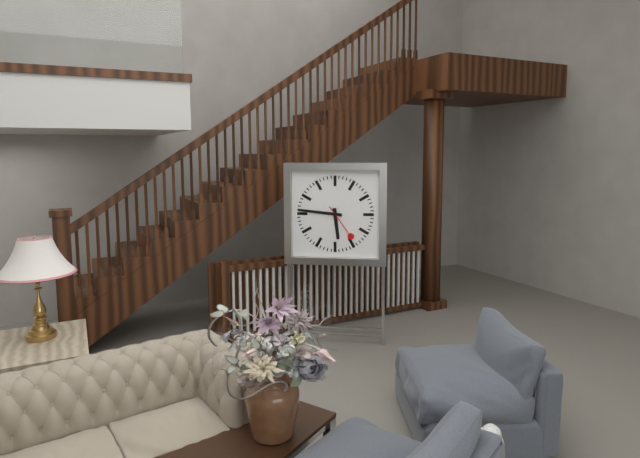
5.46
